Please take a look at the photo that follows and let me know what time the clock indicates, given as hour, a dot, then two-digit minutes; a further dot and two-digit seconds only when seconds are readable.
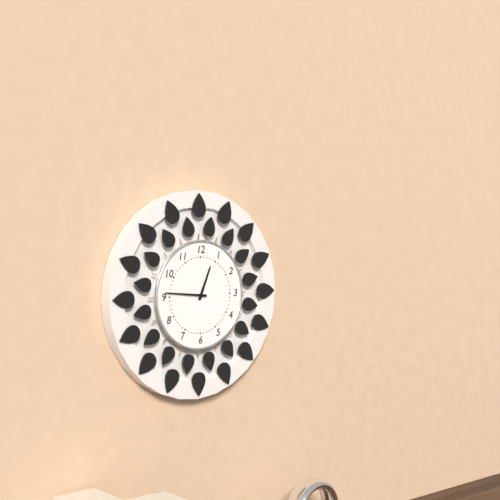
12.46
